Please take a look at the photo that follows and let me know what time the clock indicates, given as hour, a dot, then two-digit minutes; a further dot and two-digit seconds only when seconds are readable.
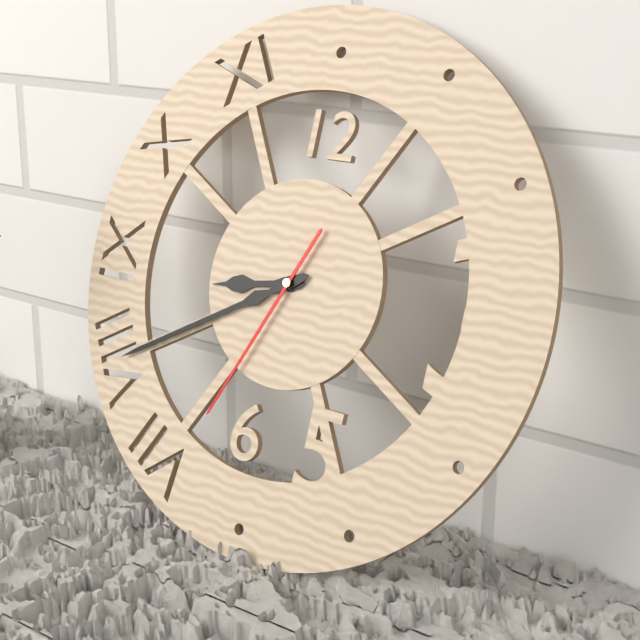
8.40.34
